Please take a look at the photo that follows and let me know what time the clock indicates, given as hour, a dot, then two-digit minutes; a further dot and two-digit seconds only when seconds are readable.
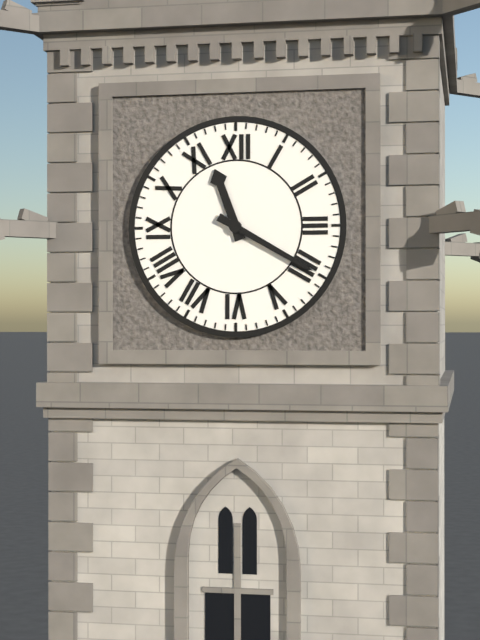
11.20
